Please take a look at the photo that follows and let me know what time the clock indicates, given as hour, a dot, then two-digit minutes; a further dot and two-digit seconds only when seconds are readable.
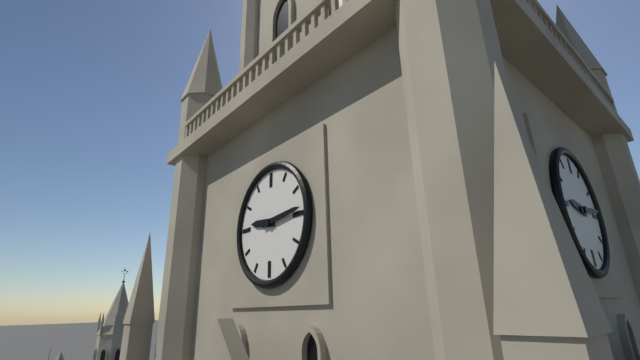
9.14
